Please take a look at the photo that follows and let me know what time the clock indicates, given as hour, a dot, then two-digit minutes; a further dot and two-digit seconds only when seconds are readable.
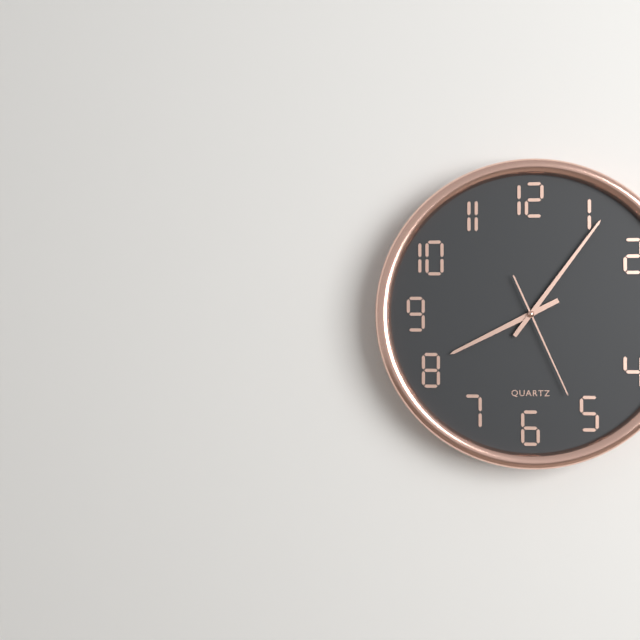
8.06.26
